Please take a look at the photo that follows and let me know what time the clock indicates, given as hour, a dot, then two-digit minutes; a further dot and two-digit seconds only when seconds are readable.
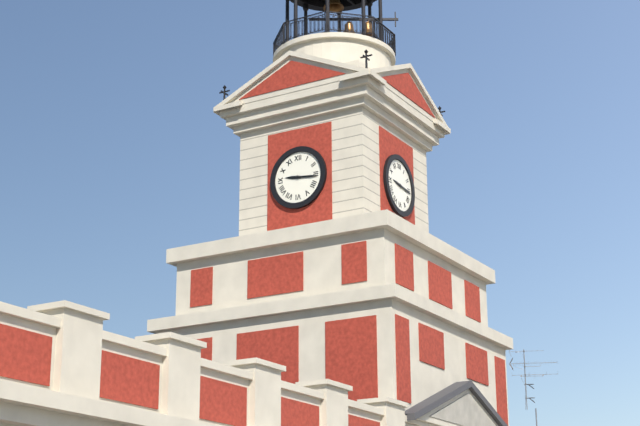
9.16
